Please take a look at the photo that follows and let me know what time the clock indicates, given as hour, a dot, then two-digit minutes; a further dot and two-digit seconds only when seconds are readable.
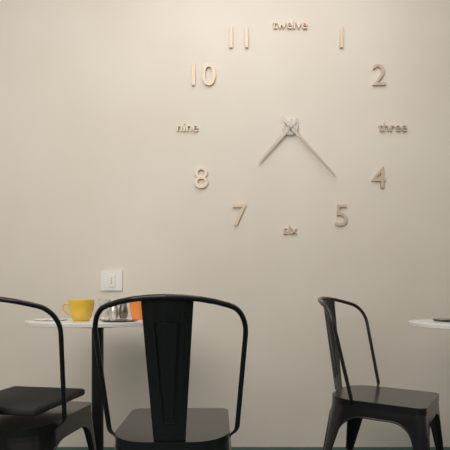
7.23
